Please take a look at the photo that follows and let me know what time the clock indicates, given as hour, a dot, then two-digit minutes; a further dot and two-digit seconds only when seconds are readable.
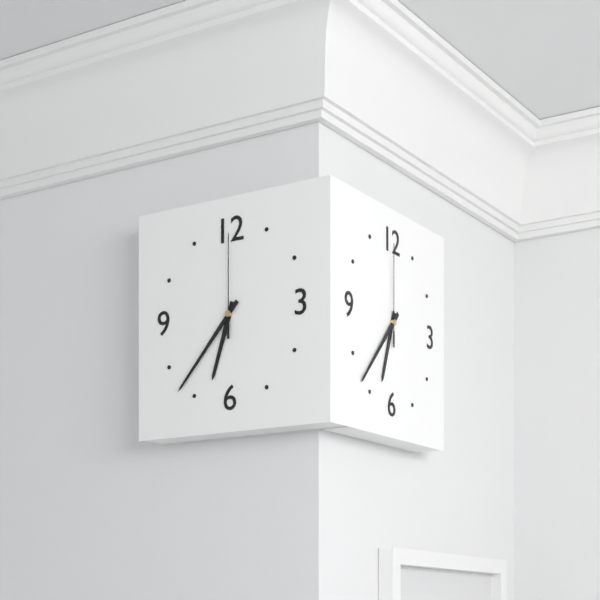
6.37.00
